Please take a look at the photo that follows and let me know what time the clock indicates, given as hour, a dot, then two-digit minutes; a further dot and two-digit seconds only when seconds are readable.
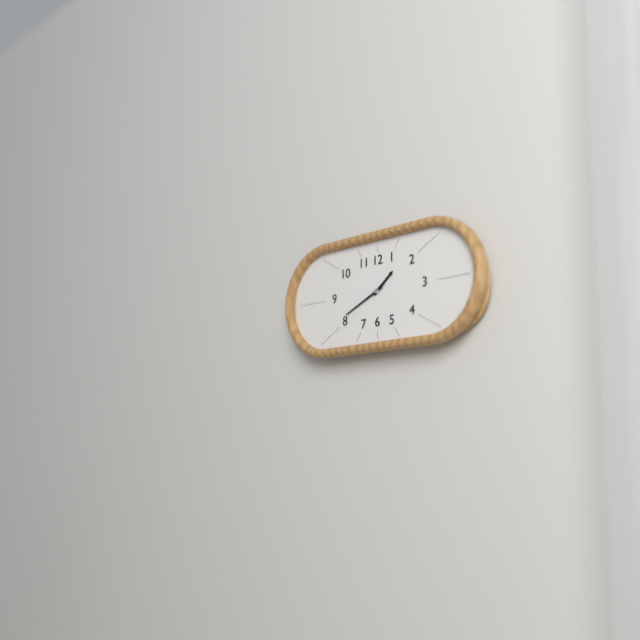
1.41
